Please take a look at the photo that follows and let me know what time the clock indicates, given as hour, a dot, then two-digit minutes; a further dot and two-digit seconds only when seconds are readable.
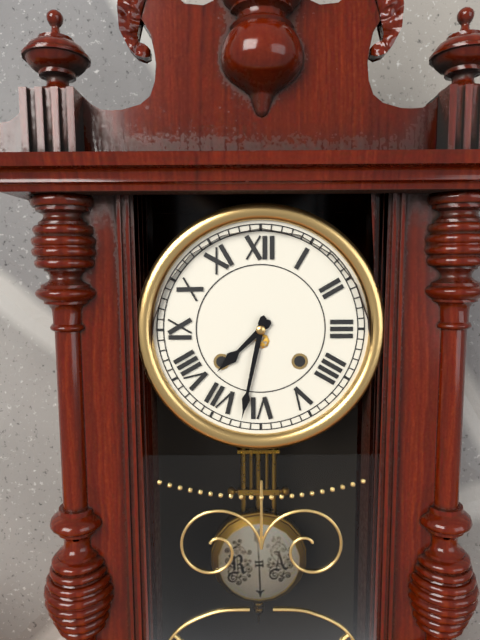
7.32
